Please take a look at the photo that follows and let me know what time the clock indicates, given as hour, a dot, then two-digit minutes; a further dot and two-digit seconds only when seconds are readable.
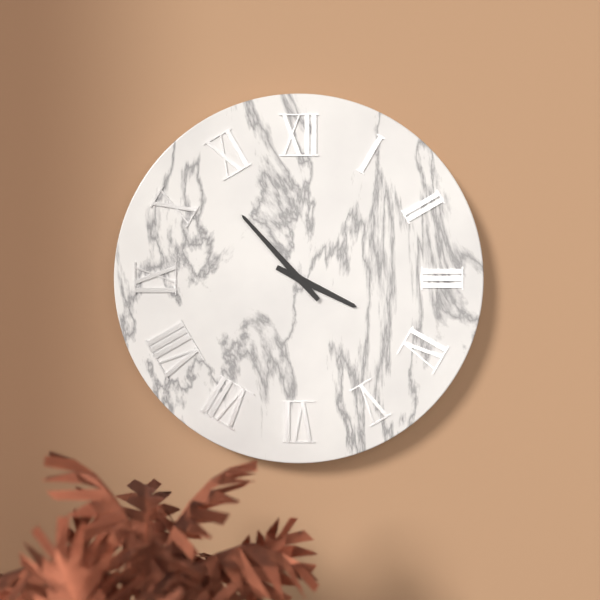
3.53
